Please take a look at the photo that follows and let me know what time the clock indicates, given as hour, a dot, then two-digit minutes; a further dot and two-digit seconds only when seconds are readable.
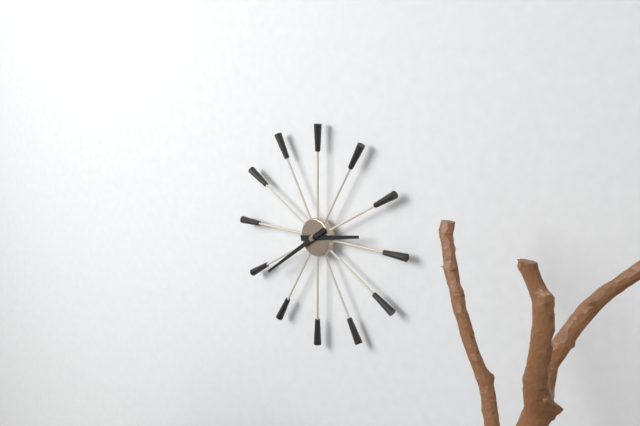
2.39
